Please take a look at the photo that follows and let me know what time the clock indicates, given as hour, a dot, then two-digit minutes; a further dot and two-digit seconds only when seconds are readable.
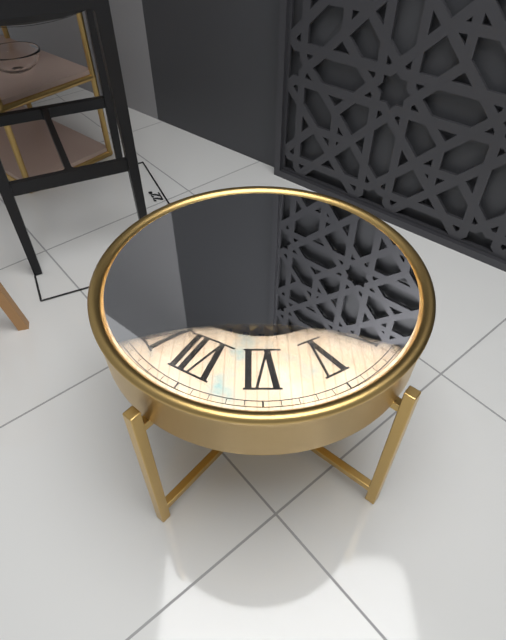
10.42
